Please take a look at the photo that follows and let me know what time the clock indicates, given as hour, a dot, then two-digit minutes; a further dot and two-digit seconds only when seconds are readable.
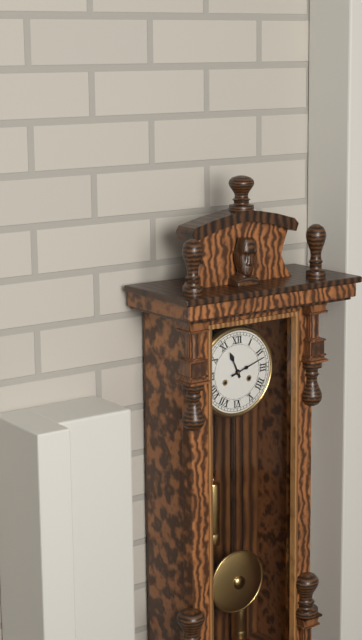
11.12
